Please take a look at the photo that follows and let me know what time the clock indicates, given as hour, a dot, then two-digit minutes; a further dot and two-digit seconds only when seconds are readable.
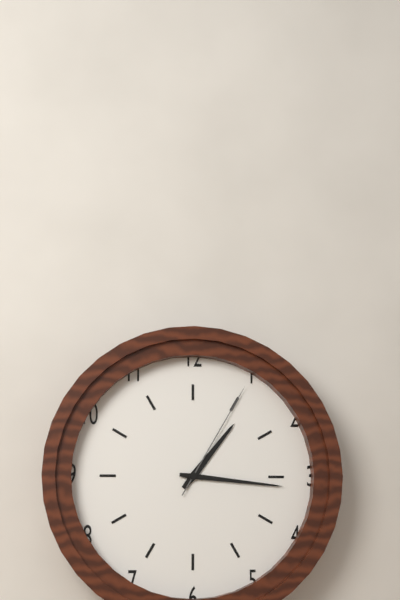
1.16.05
